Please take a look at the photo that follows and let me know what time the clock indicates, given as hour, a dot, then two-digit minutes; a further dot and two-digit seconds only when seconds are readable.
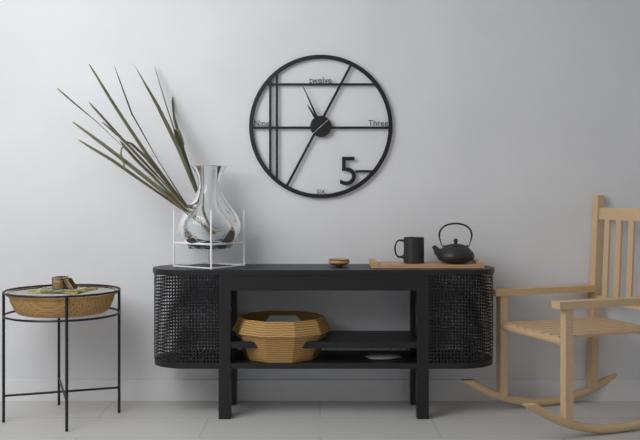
10.56
